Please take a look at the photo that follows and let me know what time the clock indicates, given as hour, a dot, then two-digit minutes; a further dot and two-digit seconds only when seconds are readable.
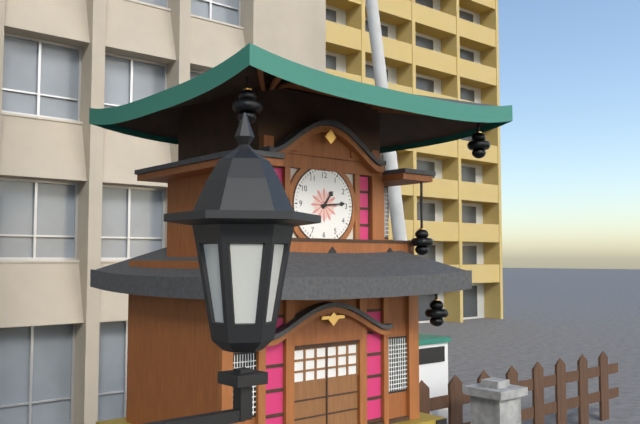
1.14
